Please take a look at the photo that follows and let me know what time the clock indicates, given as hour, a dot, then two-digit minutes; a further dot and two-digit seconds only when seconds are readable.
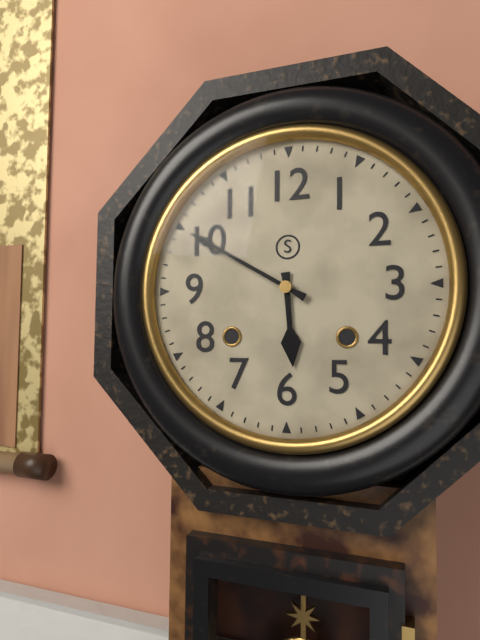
5.50
